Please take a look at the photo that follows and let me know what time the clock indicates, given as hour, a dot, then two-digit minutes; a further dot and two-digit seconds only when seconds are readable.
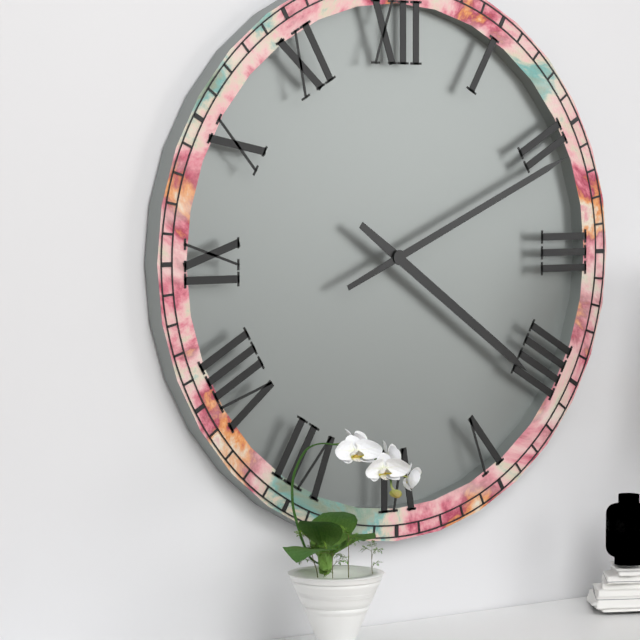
4.11
